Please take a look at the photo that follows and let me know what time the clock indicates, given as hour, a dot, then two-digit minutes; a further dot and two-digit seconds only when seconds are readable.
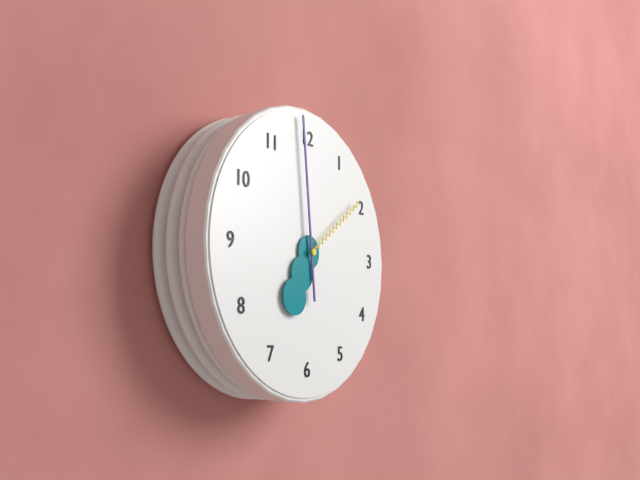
6.59.09
